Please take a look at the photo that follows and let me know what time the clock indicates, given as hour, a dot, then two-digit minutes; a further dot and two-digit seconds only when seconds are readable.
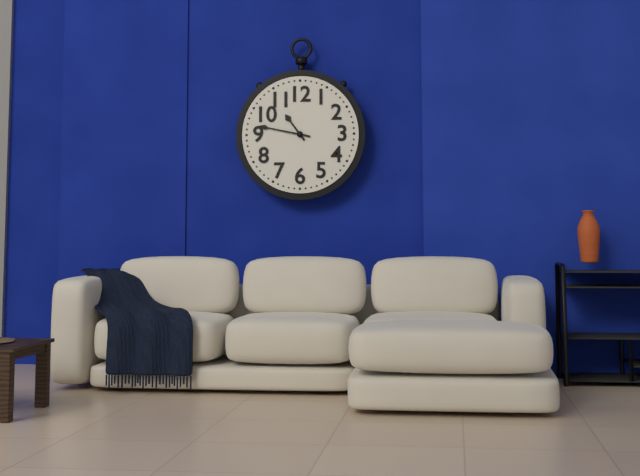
10.47
